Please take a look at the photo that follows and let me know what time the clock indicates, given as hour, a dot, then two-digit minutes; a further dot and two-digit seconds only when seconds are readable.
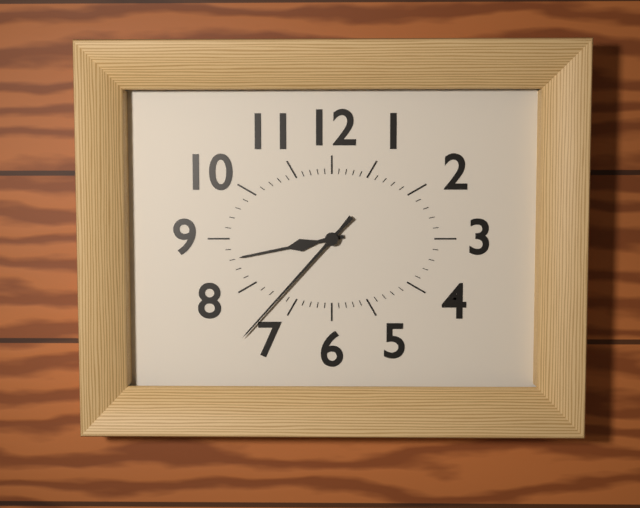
8.37
